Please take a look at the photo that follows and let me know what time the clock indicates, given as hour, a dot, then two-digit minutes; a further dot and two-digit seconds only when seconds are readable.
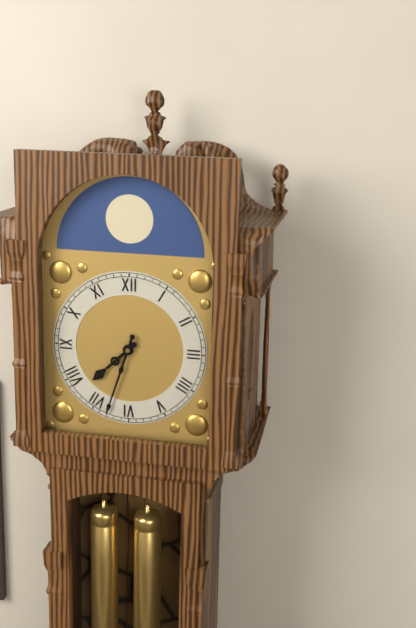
7.33
